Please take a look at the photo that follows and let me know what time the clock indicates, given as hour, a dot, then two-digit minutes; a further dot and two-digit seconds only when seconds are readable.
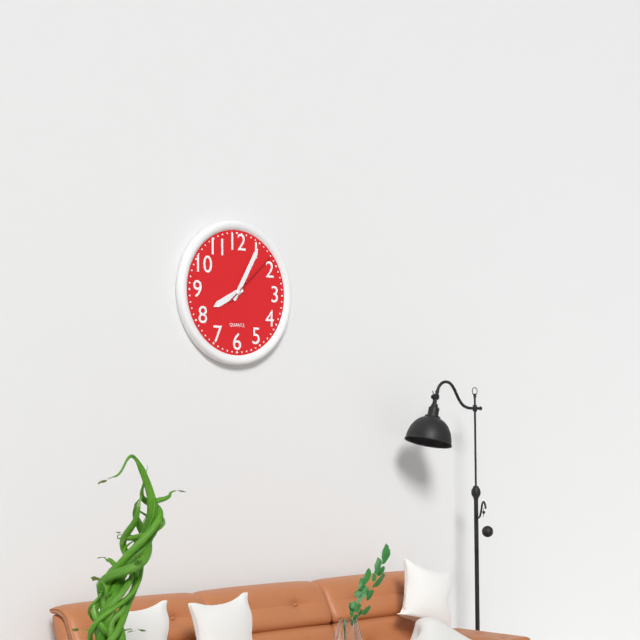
8.05.08
